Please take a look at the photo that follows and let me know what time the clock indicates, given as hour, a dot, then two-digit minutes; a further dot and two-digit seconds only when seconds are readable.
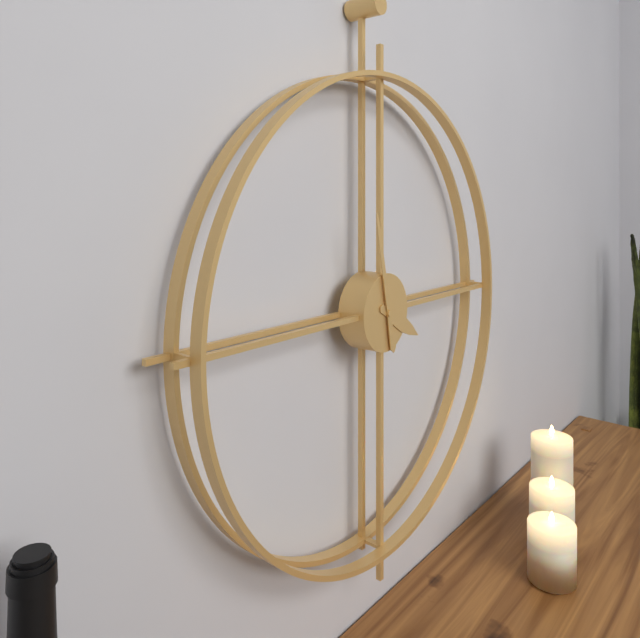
3.58
